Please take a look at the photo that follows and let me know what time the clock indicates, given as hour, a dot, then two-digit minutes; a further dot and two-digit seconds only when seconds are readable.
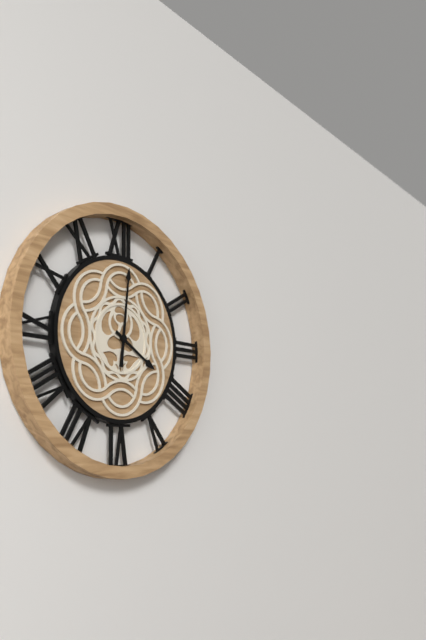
4.01
